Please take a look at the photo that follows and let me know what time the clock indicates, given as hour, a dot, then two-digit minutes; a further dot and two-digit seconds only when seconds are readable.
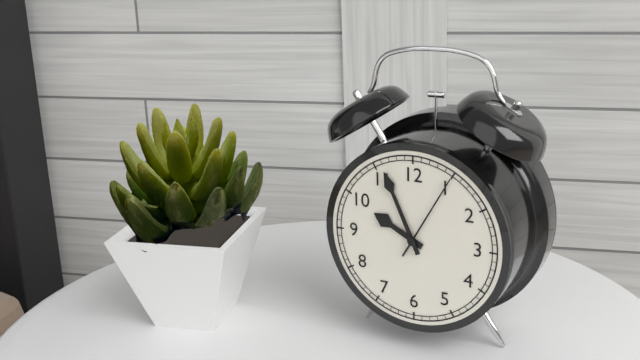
9.56.05
